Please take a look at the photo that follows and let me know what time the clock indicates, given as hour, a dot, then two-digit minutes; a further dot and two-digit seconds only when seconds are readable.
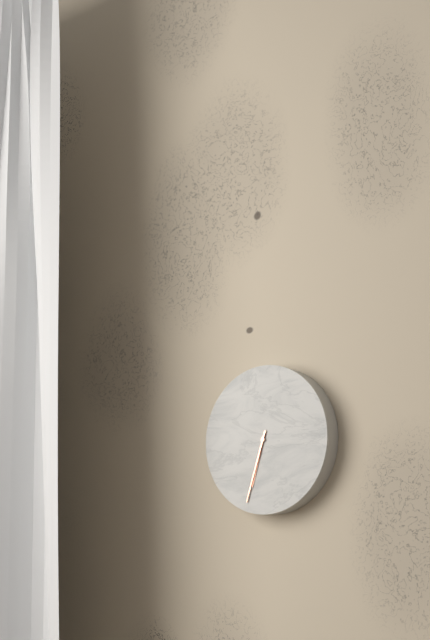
6.33
